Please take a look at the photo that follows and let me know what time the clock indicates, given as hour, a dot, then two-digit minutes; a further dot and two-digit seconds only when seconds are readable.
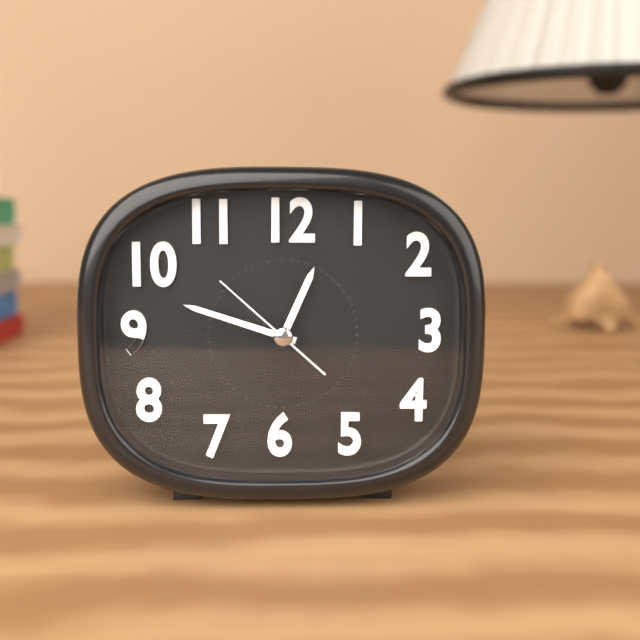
12.48.52
